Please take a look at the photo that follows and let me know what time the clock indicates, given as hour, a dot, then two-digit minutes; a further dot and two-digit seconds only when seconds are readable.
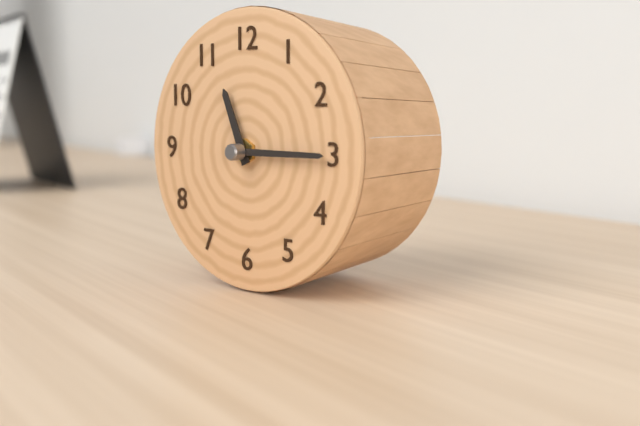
11.15
